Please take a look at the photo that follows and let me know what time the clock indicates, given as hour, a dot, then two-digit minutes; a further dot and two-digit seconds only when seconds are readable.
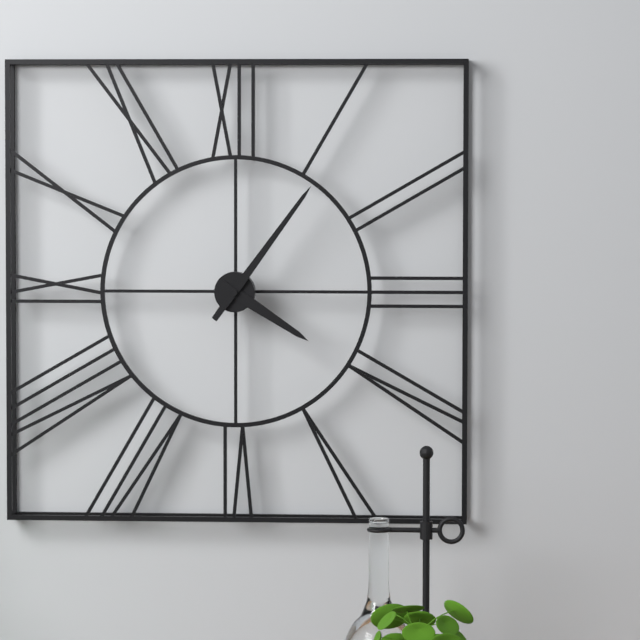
4.06
